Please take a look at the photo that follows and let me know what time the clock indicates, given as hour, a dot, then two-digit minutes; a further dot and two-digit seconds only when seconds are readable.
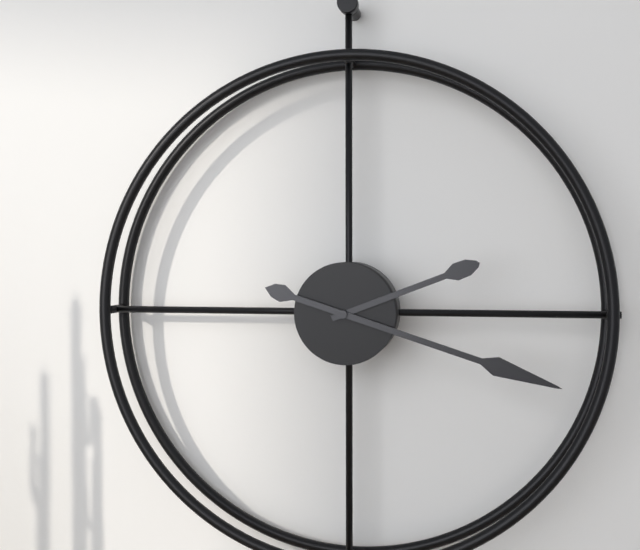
2.18
